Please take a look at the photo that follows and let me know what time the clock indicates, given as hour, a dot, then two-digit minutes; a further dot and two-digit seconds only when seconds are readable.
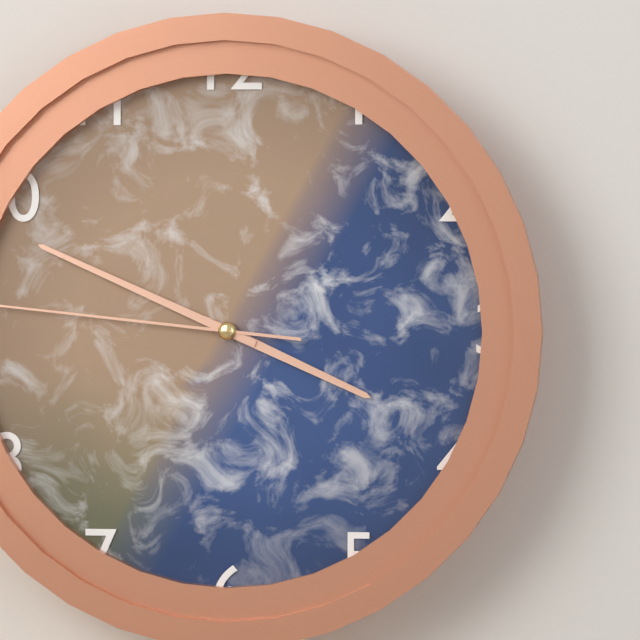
3.49
